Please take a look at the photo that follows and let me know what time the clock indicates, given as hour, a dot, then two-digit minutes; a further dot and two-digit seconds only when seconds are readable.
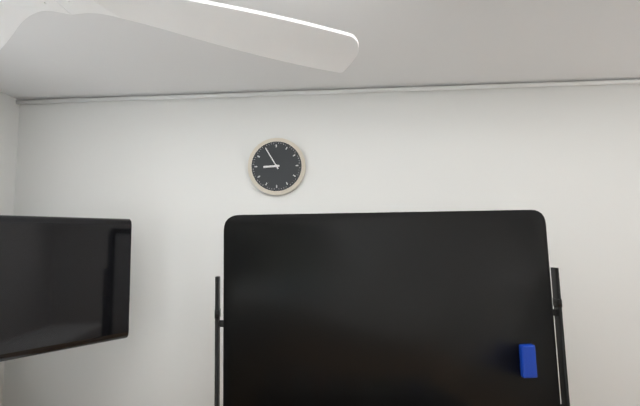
8.55
